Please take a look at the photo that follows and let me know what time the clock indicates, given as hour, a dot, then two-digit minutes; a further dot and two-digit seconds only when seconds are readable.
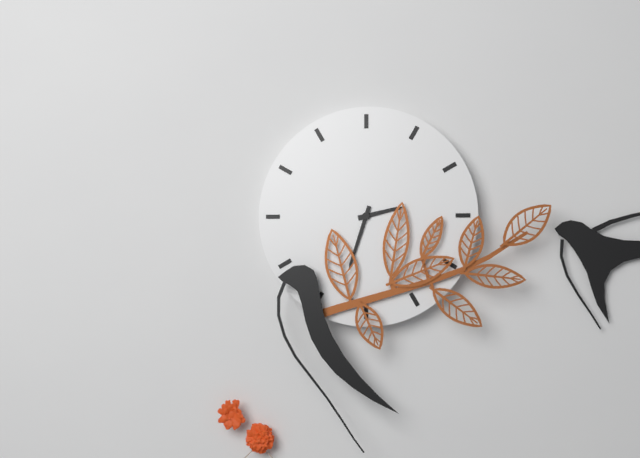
2.33
